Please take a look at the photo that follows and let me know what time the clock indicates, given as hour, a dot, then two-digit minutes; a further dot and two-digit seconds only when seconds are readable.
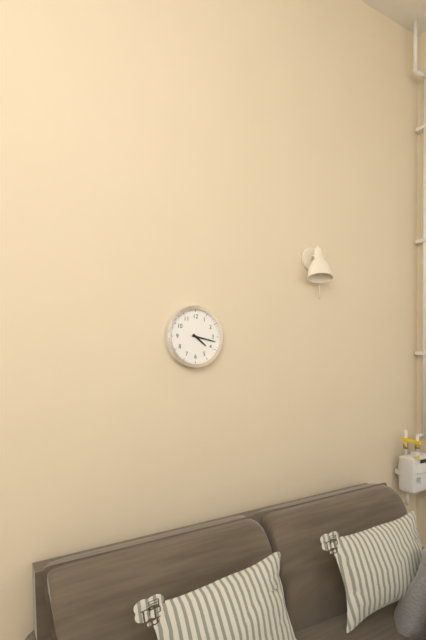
4.17
